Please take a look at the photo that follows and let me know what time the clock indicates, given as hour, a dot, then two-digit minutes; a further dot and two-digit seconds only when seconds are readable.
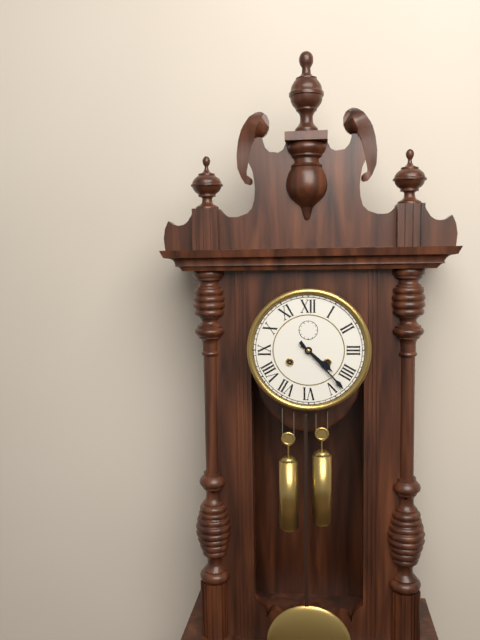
4.23
